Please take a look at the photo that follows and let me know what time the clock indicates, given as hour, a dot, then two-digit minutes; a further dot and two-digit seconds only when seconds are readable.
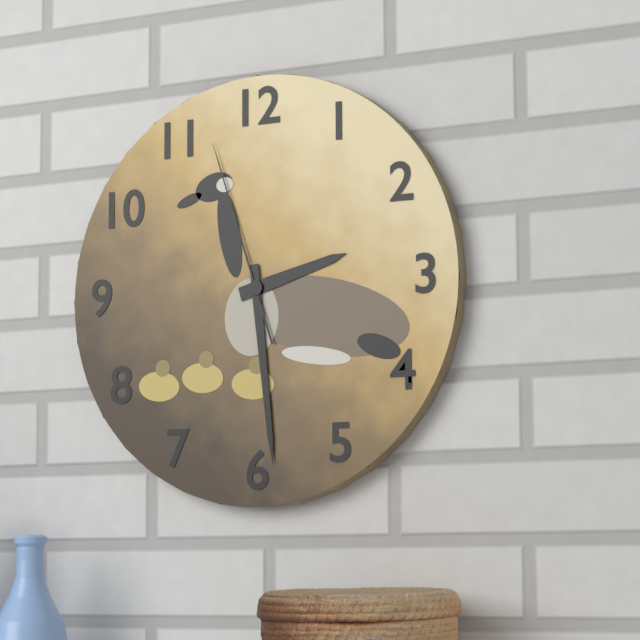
2.29.57
